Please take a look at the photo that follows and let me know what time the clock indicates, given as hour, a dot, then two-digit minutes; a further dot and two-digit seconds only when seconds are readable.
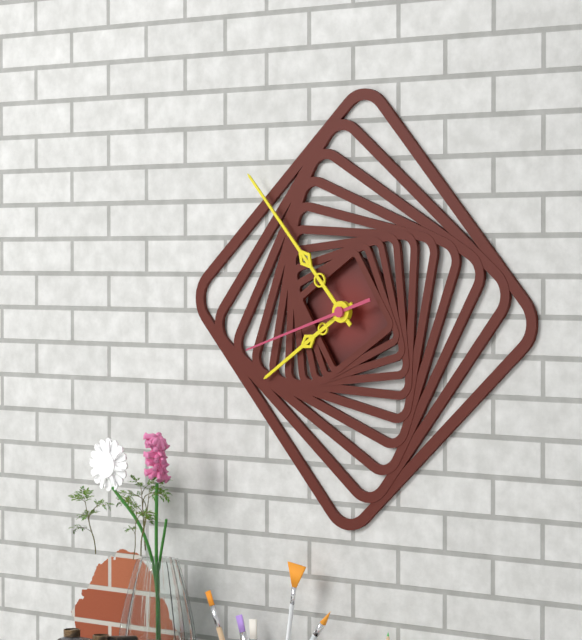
7.53.42
